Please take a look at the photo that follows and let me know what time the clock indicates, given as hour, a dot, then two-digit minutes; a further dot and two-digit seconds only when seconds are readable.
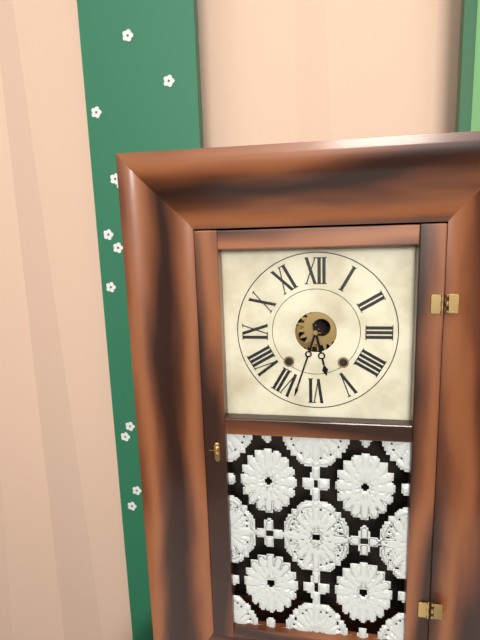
5.33
